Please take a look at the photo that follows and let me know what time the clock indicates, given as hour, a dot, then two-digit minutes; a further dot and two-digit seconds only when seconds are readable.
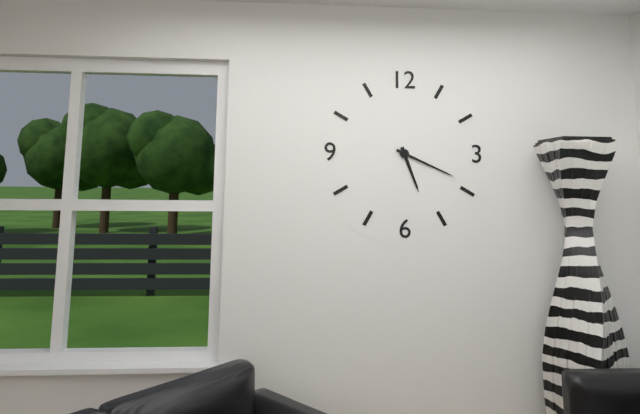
5.19
